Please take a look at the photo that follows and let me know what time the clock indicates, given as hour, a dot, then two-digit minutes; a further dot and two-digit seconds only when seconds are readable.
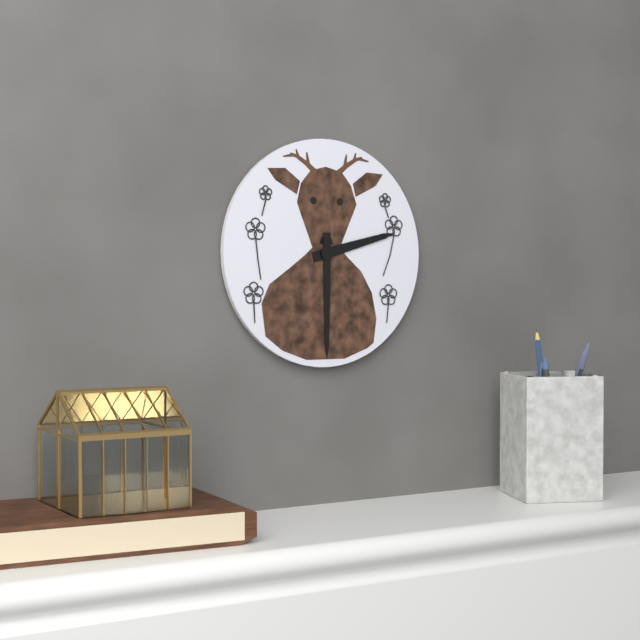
2.30
